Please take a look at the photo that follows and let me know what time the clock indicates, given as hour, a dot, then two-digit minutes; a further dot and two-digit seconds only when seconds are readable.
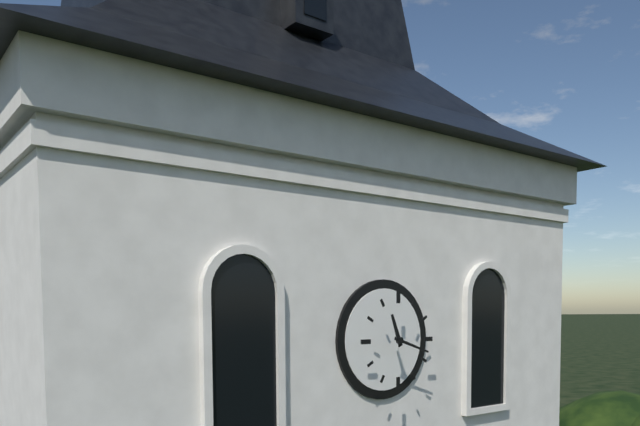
11.18
